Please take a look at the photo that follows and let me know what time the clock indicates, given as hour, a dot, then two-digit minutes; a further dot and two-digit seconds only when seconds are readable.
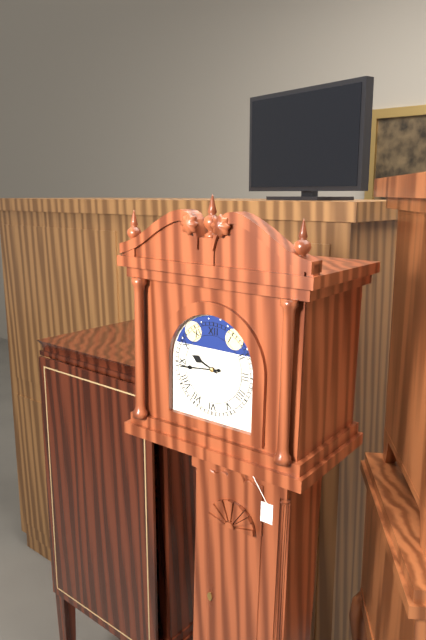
9.44
